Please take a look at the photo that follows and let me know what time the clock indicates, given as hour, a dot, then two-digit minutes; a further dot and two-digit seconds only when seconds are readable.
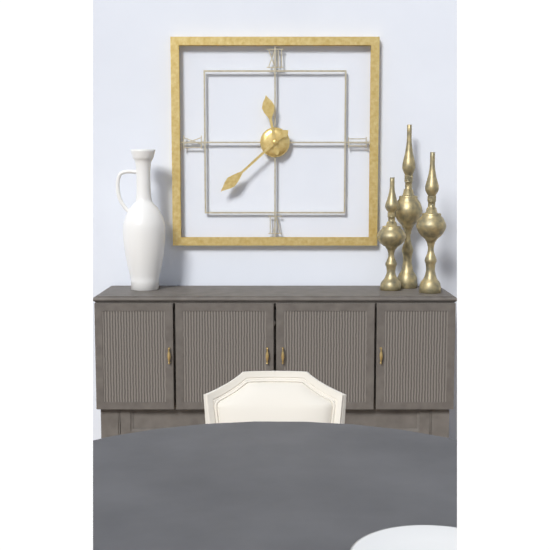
11.38
